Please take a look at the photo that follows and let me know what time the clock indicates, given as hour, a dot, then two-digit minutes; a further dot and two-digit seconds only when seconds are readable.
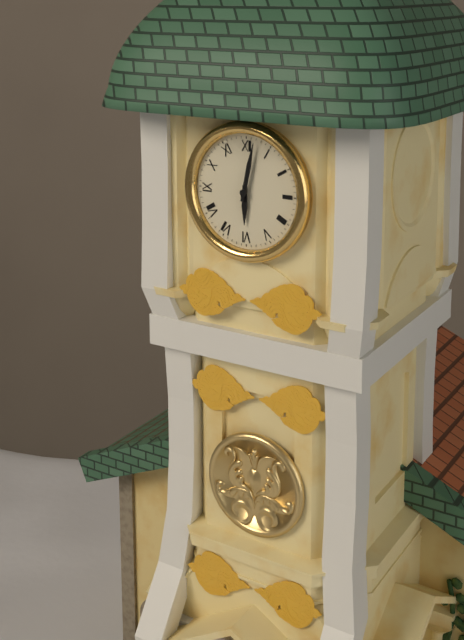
6.02
